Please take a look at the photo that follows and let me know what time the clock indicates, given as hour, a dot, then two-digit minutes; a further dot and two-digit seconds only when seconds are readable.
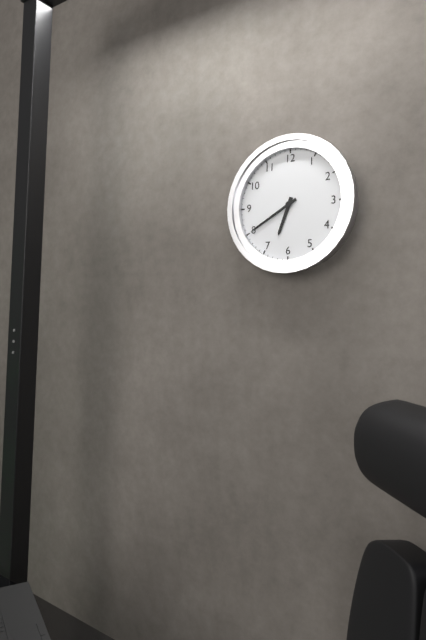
6.40
